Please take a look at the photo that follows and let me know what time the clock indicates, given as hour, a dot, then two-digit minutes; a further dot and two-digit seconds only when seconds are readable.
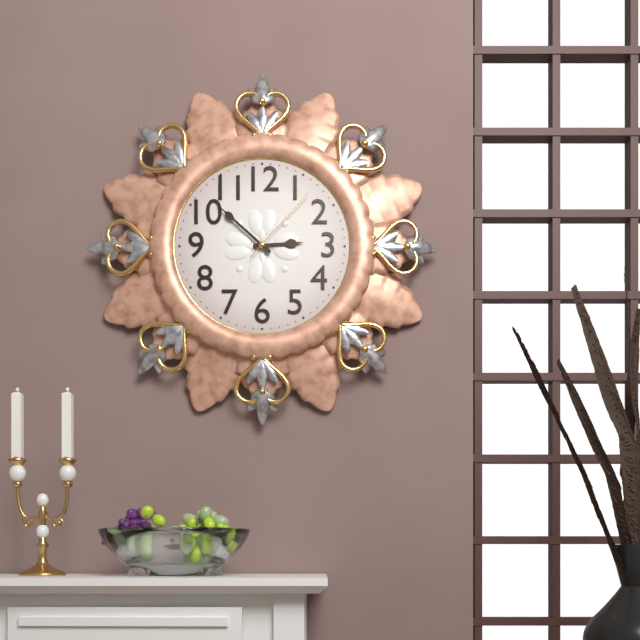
2.52.07
